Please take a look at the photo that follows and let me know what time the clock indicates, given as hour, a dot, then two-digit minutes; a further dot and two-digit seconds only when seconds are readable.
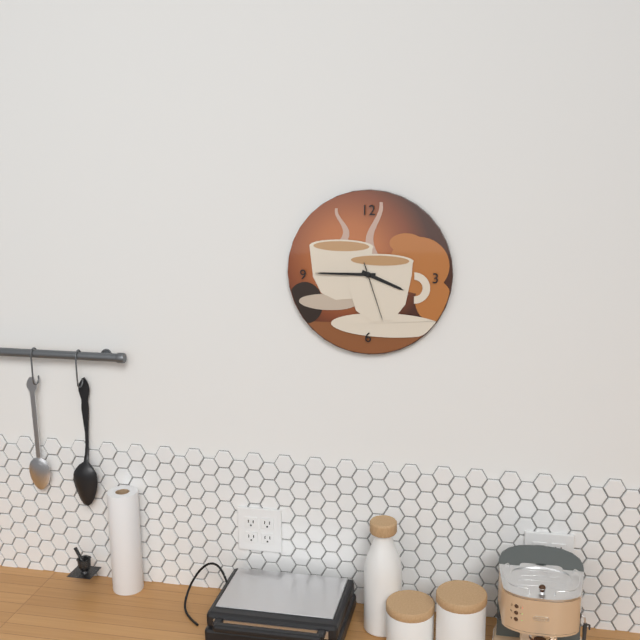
3.45.27
